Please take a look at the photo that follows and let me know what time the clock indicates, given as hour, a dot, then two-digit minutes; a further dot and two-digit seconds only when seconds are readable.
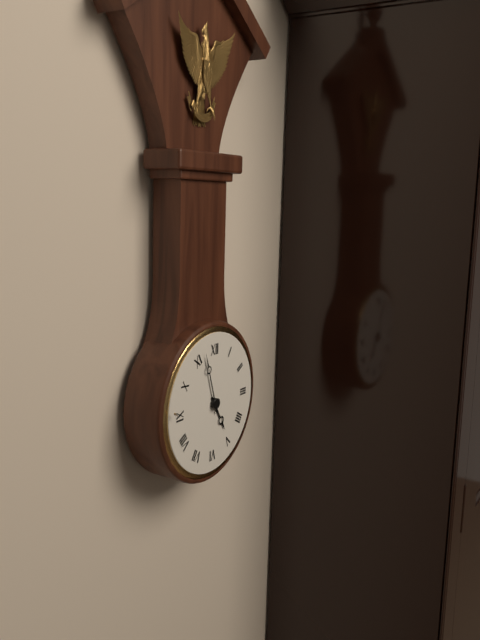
4.57
